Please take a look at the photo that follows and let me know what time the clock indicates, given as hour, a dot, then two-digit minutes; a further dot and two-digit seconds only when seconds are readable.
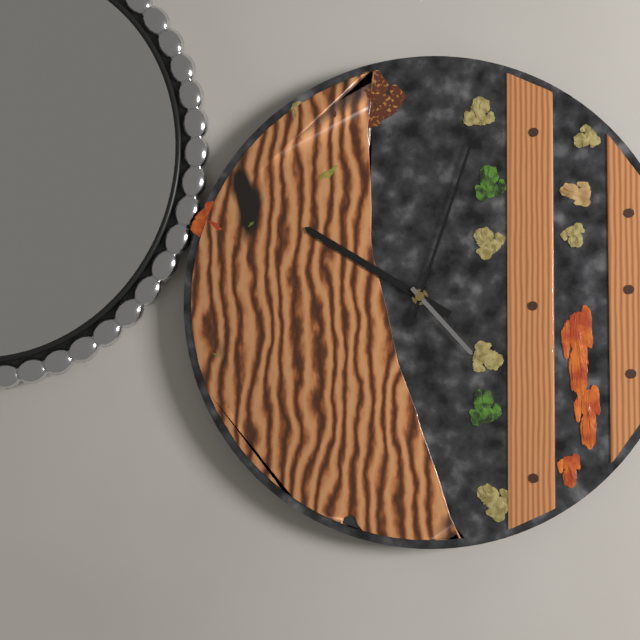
10.03.23
